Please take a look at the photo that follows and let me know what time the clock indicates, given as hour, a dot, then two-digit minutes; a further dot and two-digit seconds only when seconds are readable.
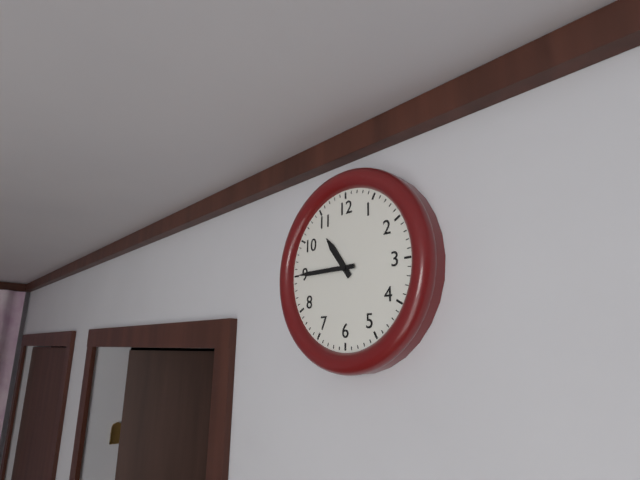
10.45
